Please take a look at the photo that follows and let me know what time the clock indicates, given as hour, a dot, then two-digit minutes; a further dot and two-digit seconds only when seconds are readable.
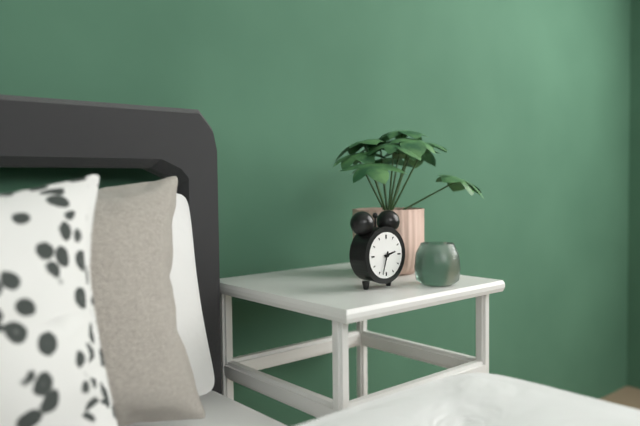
2.33
